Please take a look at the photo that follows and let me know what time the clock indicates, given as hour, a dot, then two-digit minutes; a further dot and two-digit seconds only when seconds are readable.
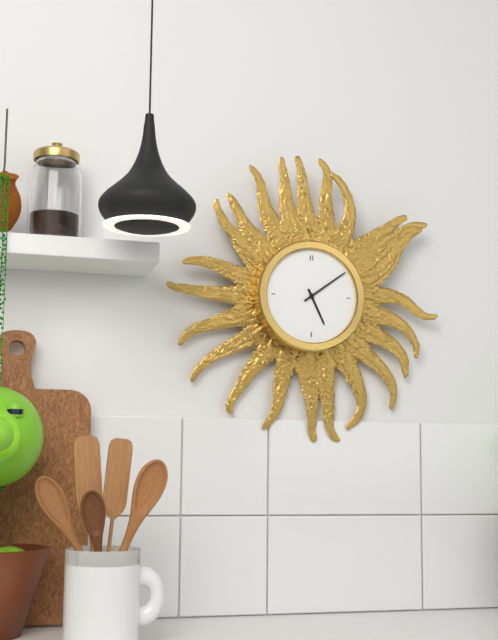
5.09
